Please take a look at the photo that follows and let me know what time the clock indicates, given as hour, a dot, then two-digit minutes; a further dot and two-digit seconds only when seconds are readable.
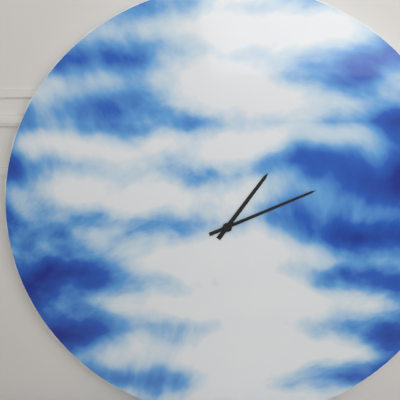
1.11
